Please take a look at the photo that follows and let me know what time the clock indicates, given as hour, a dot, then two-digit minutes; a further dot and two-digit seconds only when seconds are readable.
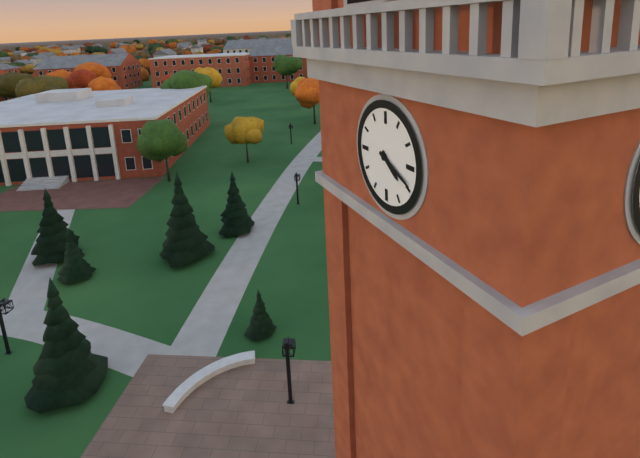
4.19
